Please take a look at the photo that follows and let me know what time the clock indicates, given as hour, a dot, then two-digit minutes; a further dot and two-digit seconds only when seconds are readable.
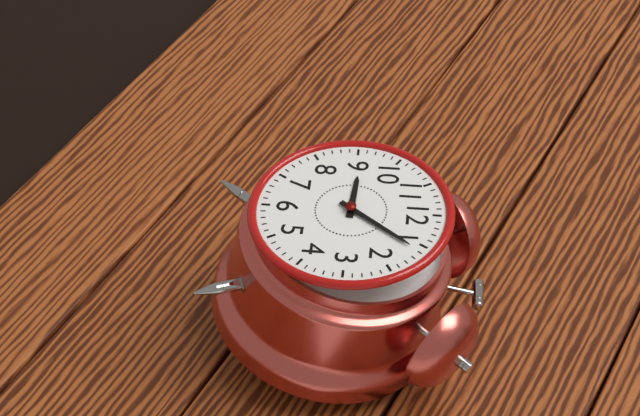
9.06
